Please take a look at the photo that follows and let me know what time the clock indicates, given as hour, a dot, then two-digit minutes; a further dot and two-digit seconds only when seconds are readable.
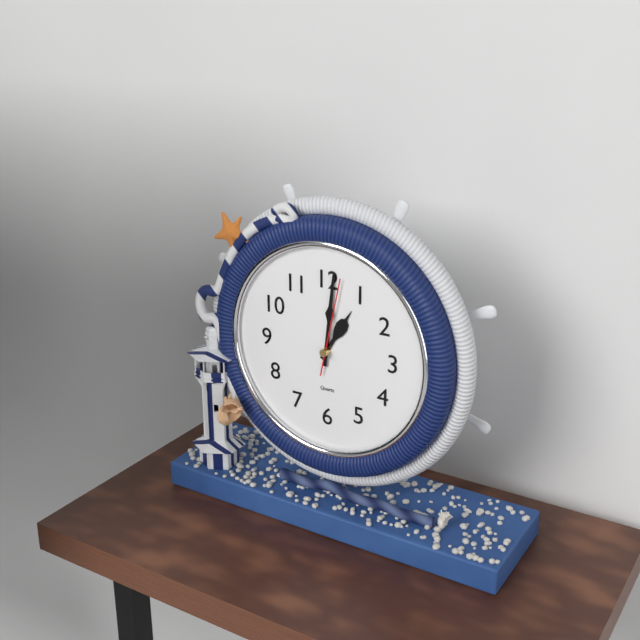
1.01.02
